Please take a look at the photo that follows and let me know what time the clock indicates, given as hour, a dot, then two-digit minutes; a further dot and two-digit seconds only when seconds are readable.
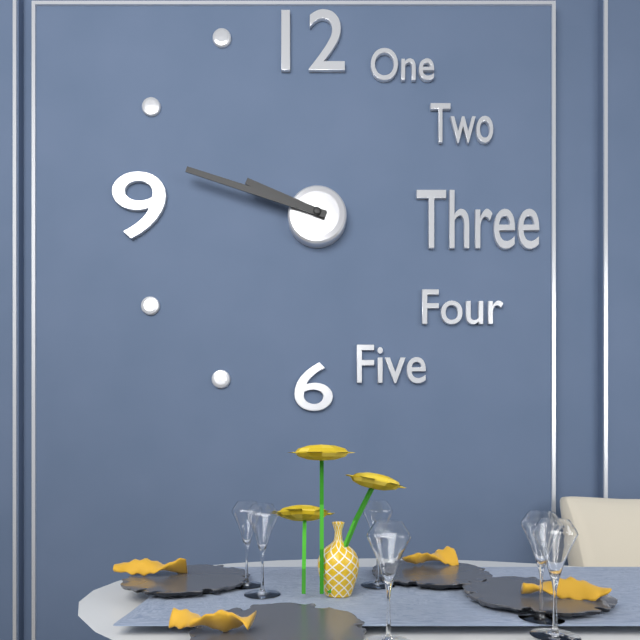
9.48
